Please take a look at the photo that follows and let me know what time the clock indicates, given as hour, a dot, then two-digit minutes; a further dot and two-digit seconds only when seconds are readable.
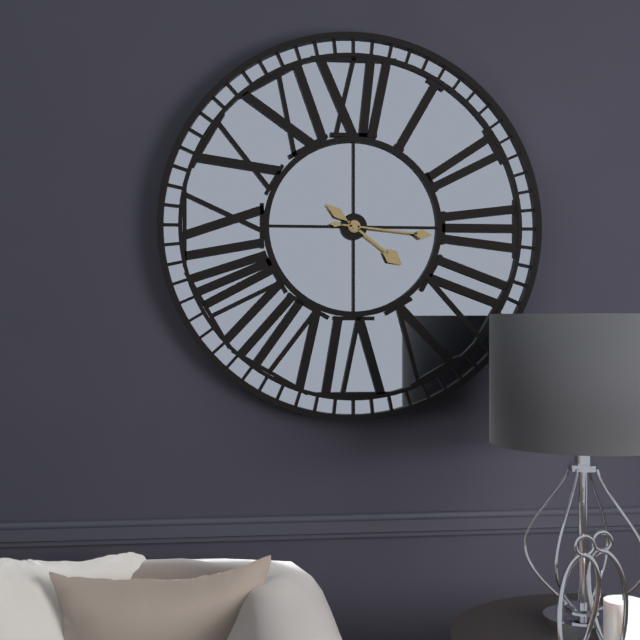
4.16
